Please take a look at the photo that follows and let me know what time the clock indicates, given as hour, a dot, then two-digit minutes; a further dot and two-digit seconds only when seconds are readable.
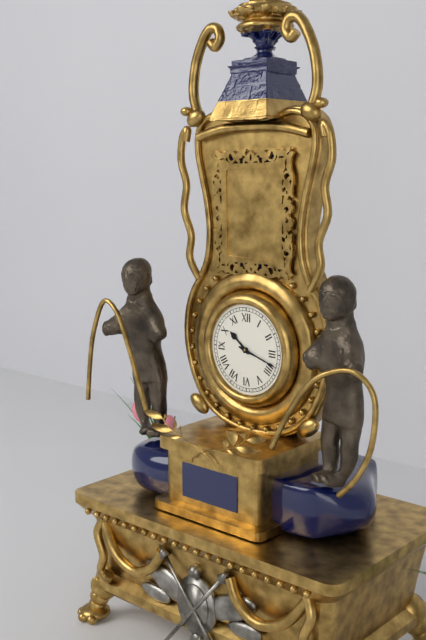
10.18
